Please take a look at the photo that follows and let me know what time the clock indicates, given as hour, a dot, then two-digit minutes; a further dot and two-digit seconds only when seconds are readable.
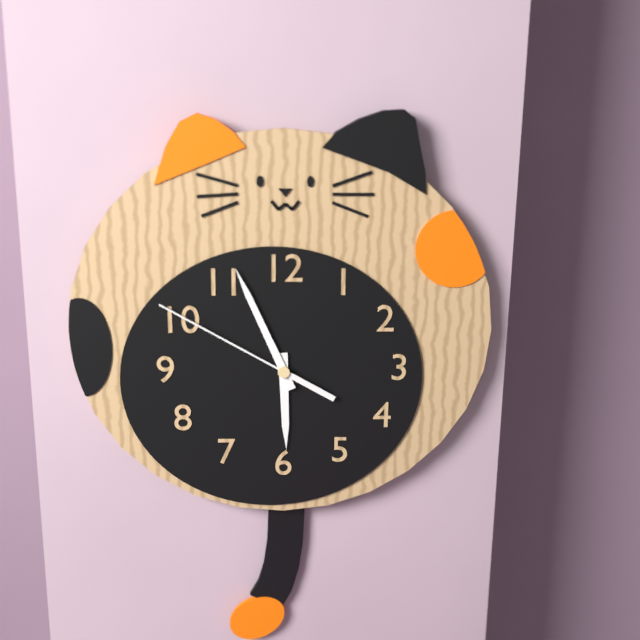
5.56.50
